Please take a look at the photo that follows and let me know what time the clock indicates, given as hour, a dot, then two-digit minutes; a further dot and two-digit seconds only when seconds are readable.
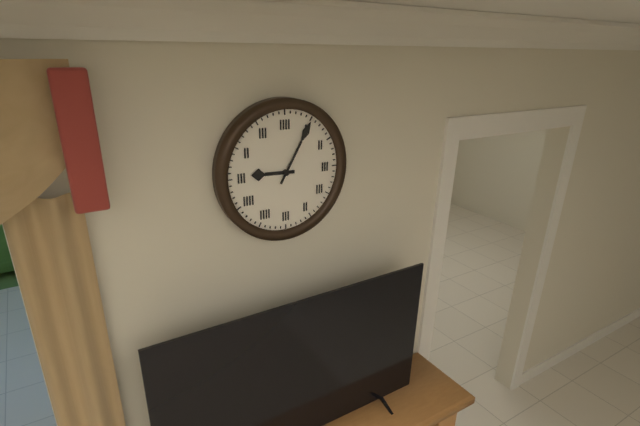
9.05
